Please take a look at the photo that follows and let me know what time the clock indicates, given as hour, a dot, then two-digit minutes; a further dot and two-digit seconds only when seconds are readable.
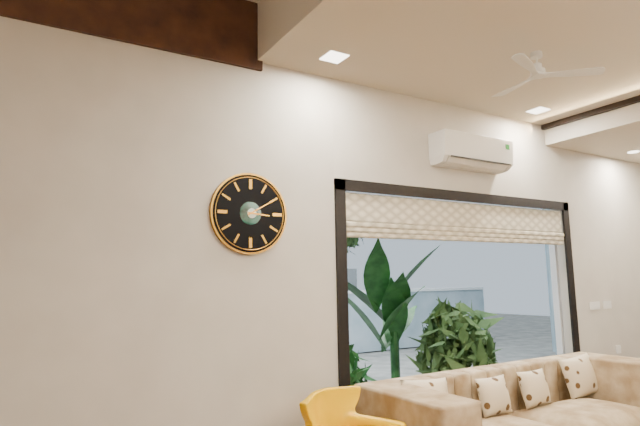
3.10
